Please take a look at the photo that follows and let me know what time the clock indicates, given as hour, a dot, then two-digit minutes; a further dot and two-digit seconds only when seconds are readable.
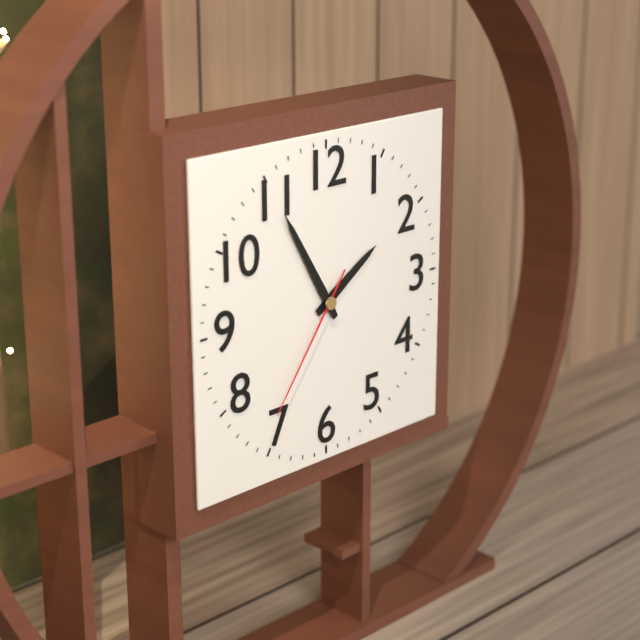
1.55.36
